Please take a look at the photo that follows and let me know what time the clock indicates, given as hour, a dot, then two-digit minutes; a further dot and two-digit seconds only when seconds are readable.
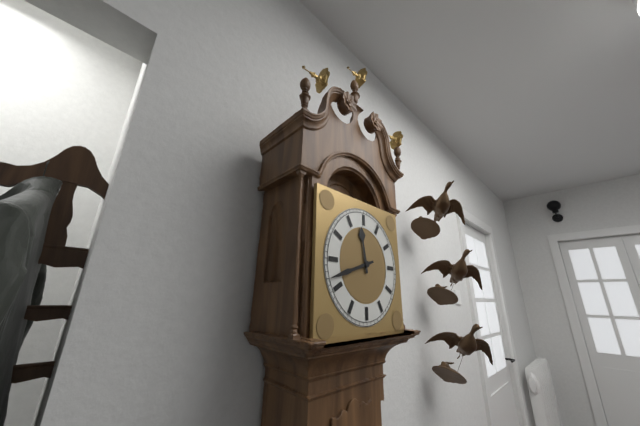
11.42
